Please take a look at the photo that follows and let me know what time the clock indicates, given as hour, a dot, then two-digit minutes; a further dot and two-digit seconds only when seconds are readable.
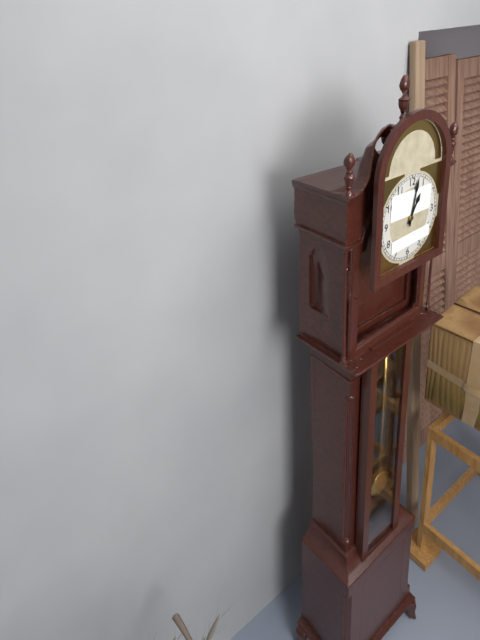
1.02
